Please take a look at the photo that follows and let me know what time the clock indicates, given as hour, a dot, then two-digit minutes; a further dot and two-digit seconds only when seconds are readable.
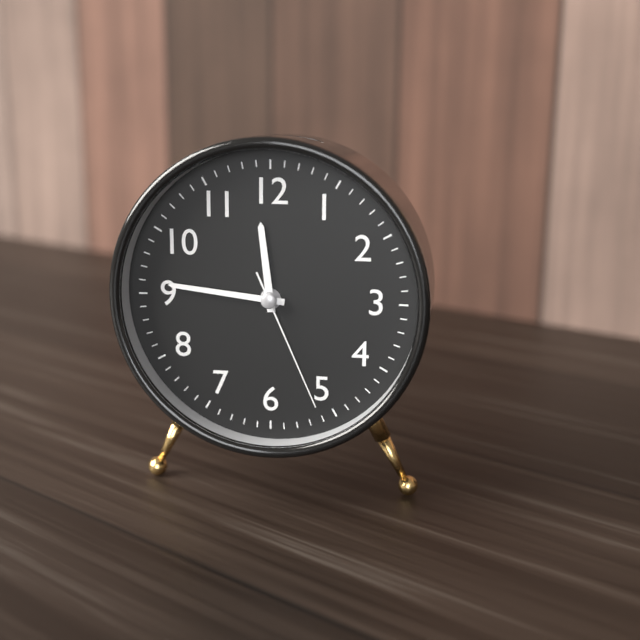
11.46.26
